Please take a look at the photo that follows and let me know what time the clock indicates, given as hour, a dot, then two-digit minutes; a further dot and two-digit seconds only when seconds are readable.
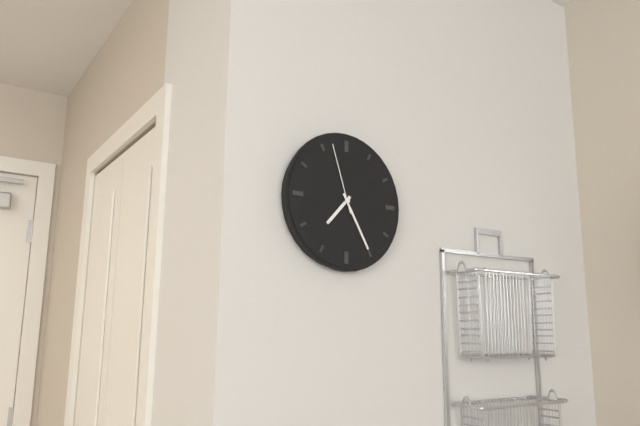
7.25.57
